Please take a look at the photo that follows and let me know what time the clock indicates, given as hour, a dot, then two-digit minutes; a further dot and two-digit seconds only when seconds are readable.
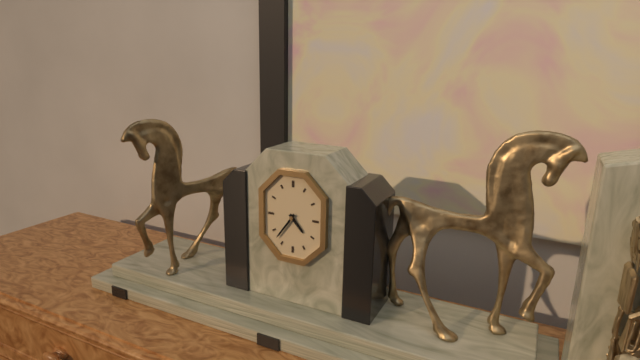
4.36
